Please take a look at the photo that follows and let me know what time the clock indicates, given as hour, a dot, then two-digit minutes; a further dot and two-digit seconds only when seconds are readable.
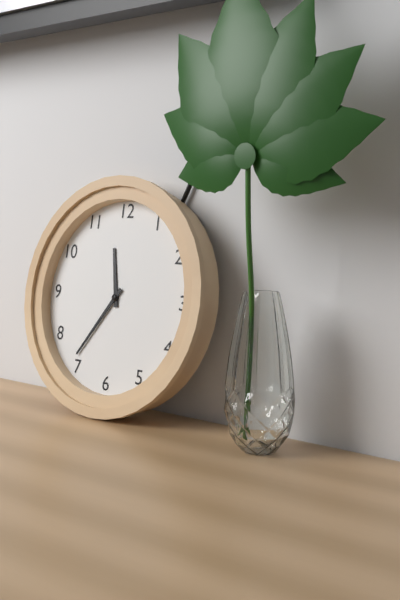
11.36
